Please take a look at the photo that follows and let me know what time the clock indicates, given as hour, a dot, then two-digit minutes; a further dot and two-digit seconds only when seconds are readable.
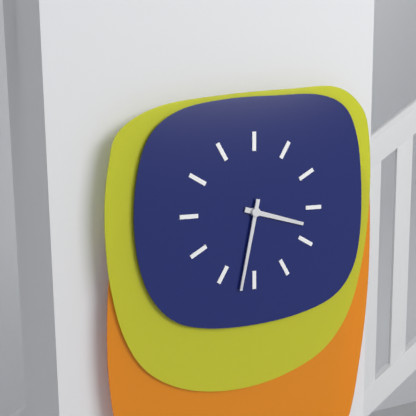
3.32
